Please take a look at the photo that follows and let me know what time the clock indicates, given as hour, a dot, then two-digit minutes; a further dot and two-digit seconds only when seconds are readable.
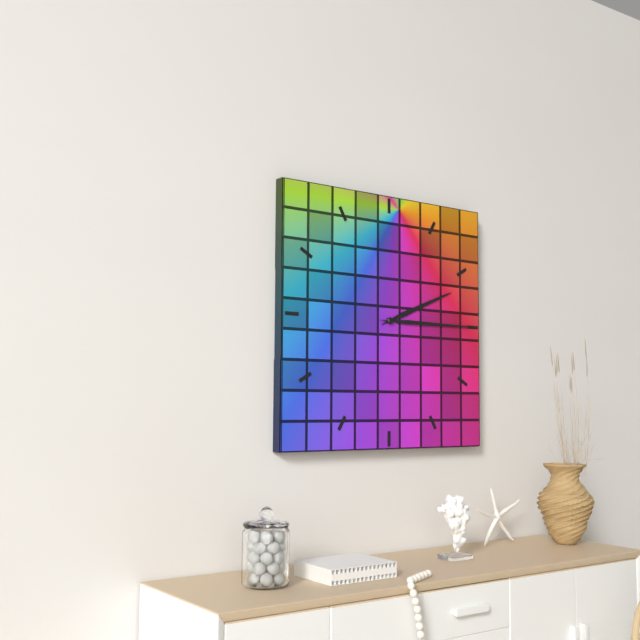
2.15
